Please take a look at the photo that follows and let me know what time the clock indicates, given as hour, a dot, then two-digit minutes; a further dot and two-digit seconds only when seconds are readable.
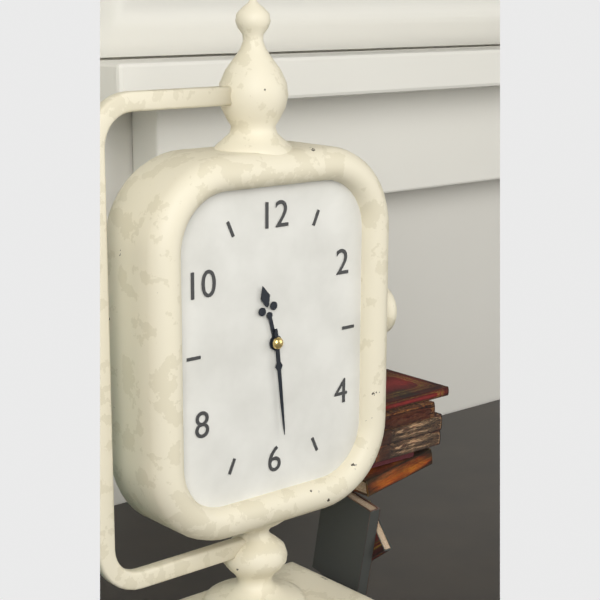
11.29
